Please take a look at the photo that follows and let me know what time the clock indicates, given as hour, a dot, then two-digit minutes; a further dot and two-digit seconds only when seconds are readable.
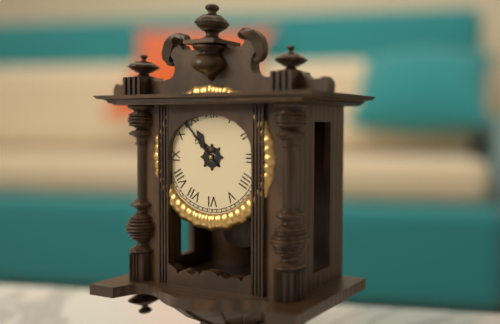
10.53
